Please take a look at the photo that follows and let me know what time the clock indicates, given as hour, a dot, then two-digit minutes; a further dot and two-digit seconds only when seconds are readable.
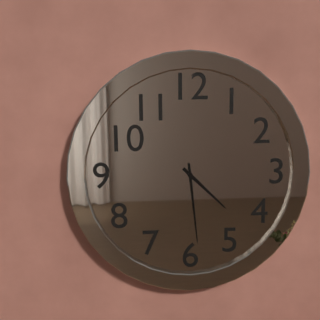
4.29
